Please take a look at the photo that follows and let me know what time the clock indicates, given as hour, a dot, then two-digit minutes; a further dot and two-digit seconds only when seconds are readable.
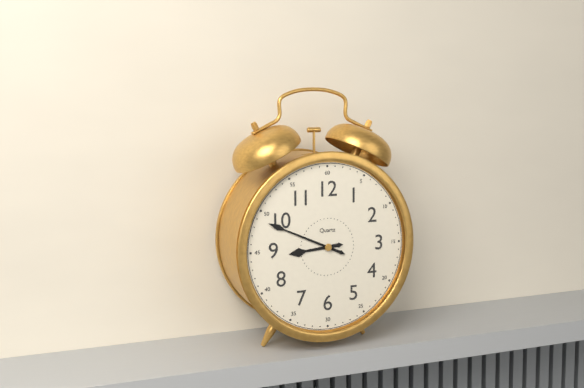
8.49
